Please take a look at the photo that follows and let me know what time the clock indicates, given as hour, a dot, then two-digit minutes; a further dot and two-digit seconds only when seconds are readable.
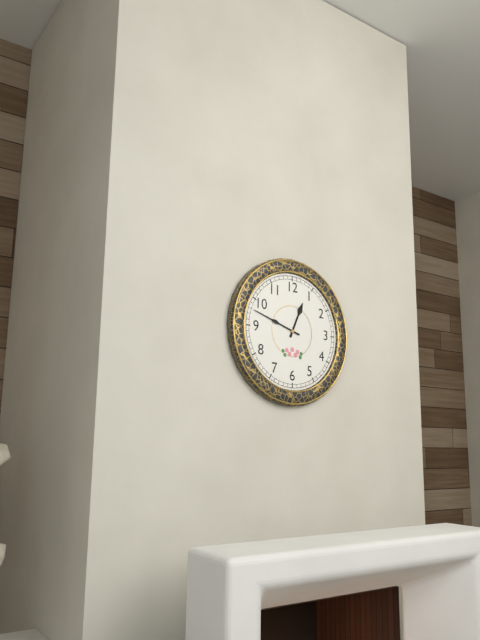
12.48
